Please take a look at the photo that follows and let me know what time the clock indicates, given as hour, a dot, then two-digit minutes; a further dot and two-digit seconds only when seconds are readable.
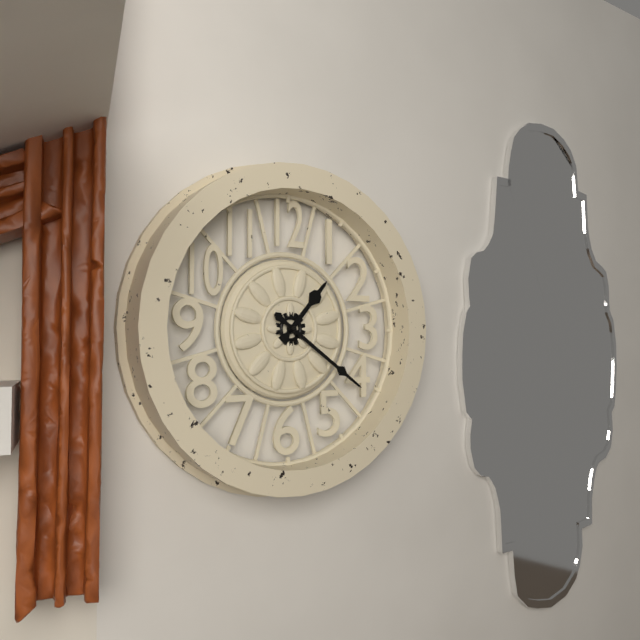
1.21
